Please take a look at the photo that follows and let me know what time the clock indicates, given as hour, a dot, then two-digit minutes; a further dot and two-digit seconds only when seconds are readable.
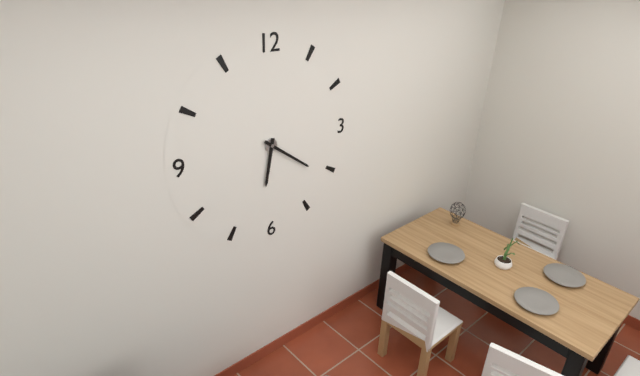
6.21
